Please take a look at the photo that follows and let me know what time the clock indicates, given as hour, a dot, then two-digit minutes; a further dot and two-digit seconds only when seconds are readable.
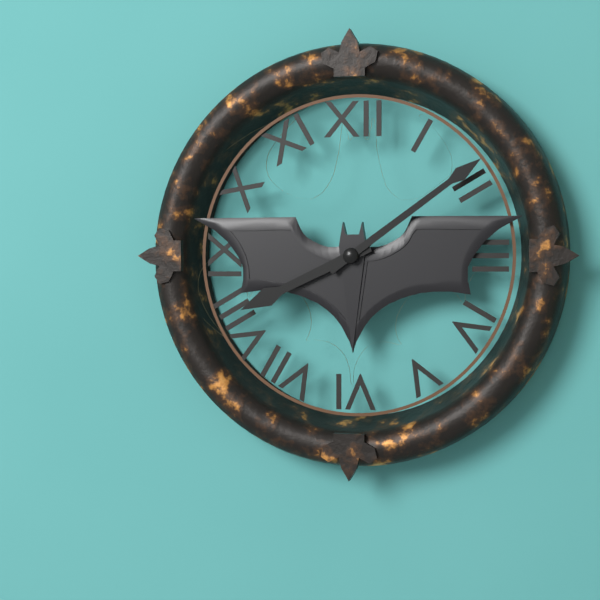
8.09
